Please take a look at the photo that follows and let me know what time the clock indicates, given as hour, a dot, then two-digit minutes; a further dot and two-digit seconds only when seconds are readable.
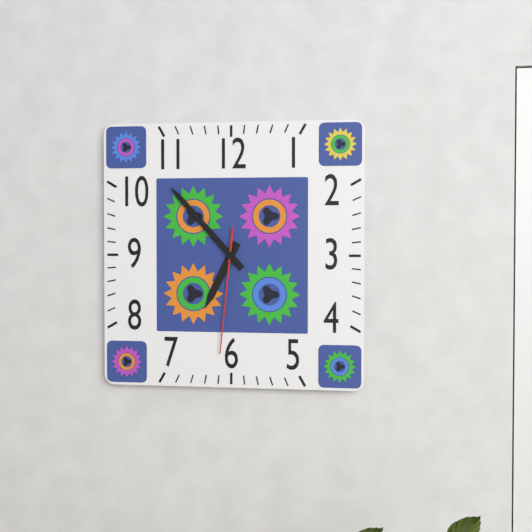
6.53.31
